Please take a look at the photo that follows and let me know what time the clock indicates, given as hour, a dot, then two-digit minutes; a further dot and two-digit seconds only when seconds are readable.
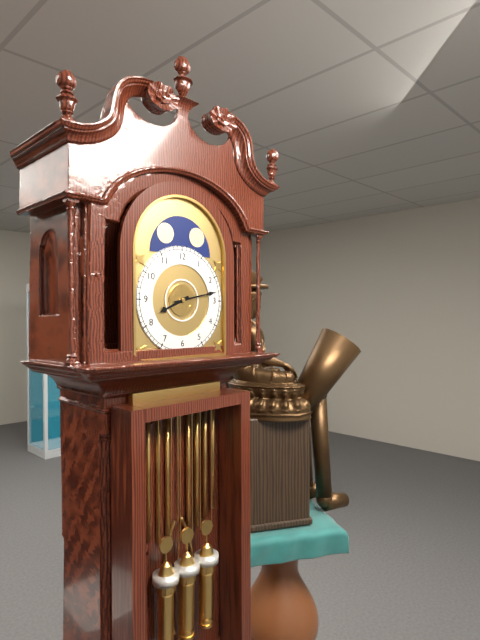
8.13
